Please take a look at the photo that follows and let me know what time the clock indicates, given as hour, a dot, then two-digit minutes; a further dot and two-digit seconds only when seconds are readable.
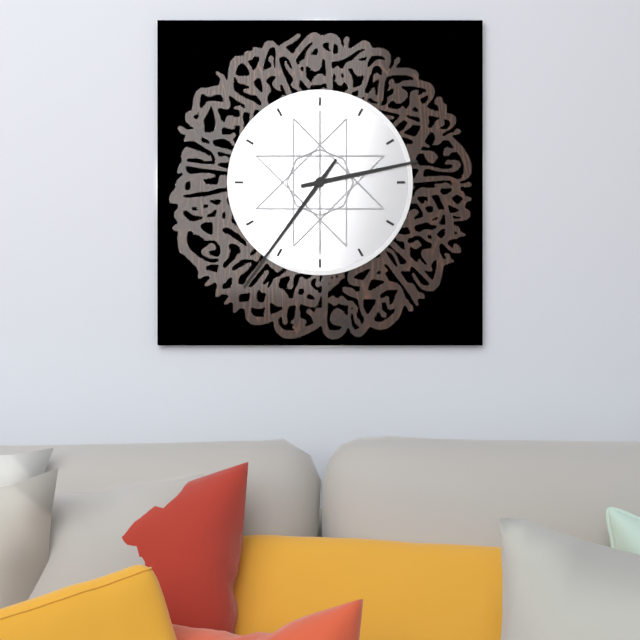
2.36
